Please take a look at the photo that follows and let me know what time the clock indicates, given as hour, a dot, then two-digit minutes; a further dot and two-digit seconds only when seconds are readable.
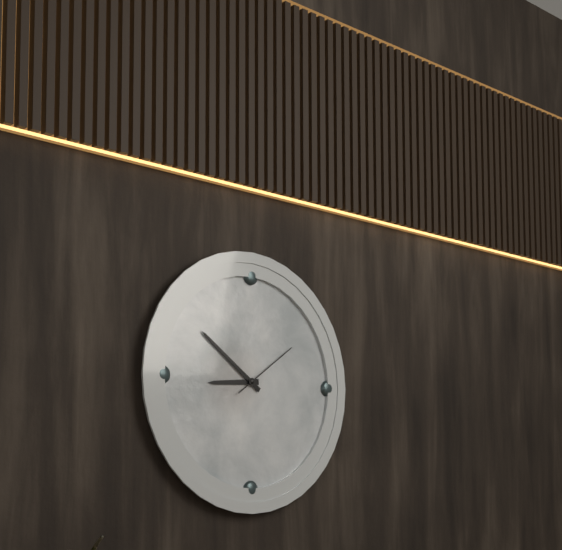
8.51.09
